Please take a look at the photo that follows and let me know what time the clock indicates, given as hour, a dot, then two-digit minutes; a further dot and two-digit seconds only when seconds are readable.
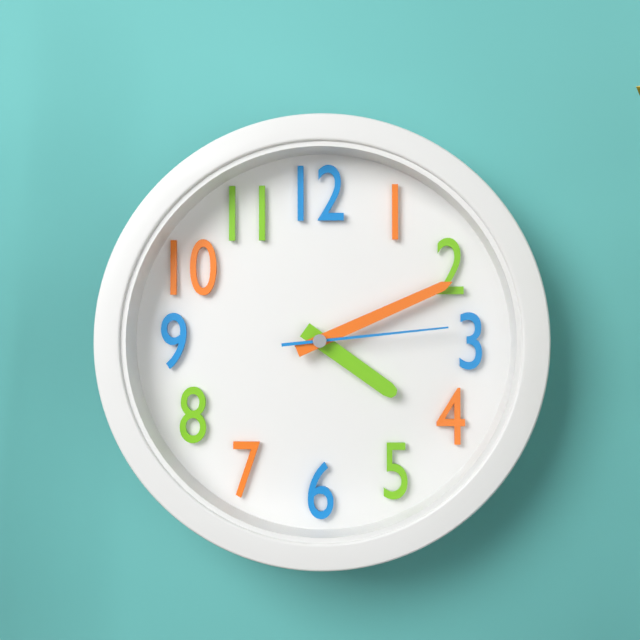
4.11.14
